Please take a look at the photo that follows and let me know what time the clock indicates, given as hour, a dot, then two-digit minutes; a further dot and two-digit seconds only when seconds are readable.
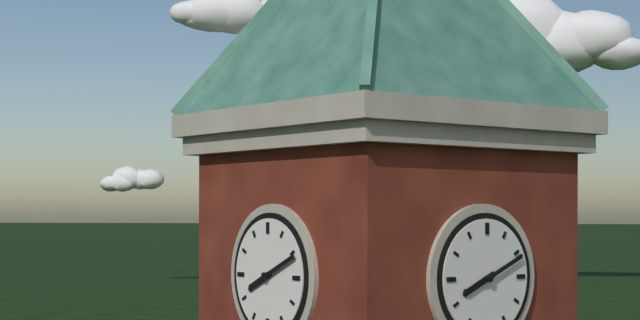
8.11
